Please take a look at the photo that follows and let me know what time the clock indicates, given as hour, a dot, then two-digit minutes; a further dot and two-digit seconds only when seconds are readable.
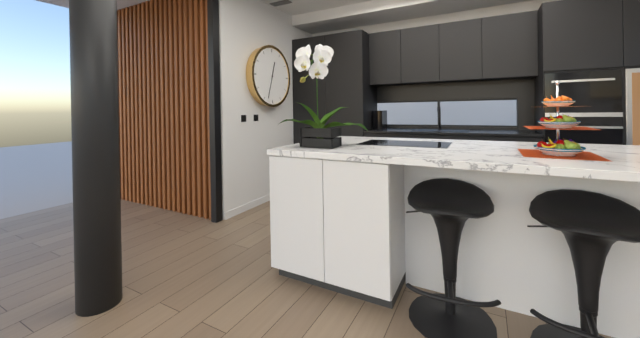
12.33
